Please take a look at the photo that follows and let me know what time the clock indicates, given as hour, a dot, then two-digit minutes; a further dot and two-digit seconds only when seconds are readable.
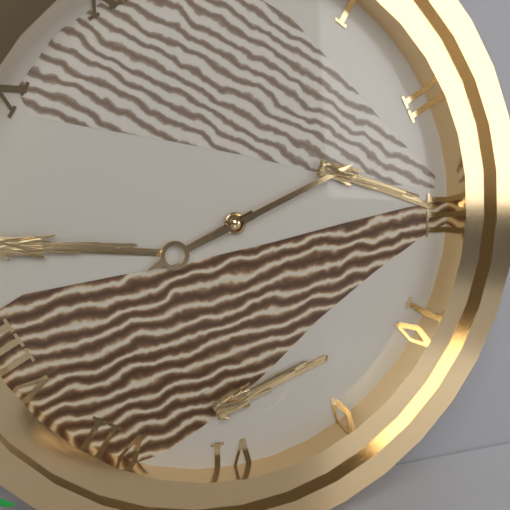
8.11
